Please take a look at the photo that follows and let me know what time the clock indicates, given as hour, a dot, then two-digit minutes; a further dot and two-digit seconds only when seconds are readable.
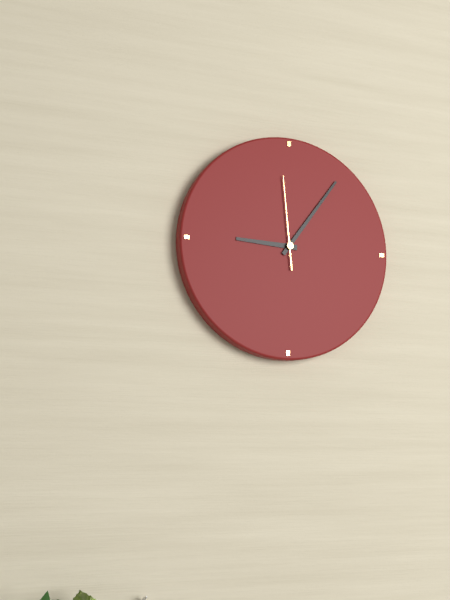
9.06.59
